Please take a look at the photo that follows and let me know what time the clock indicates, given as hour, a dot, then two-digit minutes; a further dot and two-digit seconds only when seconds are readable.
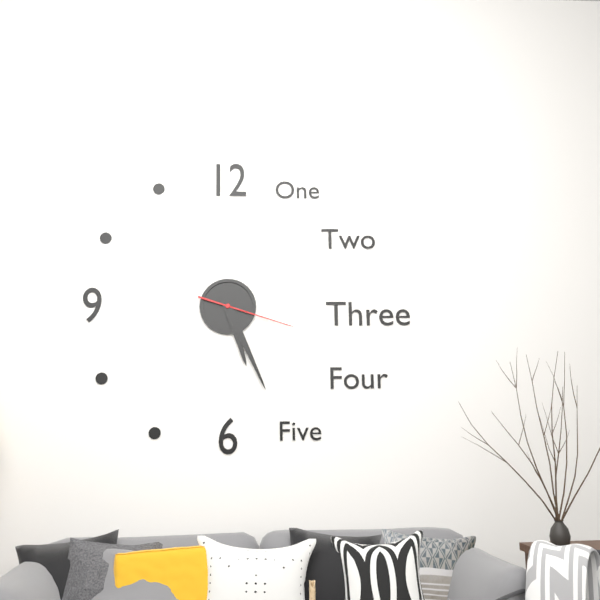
5.26.18
